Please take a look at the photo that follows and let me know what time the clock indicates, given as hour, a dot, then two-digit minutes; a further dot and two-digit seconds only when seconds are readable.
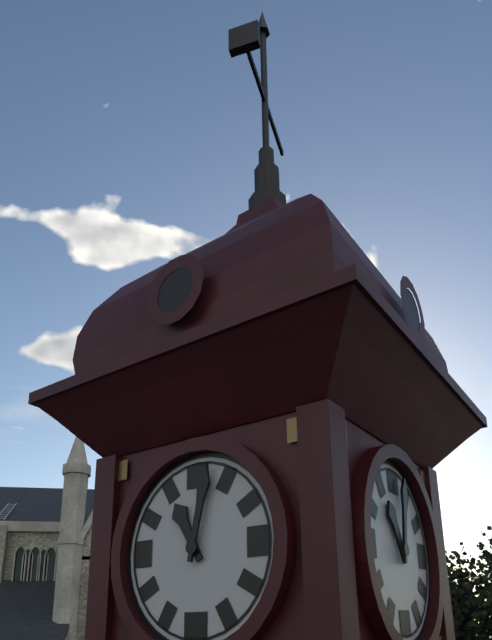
11.02
